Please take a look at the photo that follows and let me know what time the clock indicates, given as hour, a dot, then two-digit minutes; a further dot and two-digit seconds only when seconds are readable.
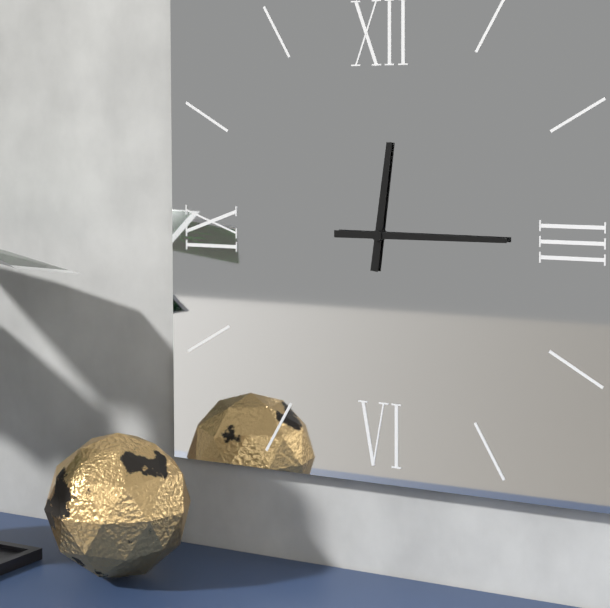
12.15
